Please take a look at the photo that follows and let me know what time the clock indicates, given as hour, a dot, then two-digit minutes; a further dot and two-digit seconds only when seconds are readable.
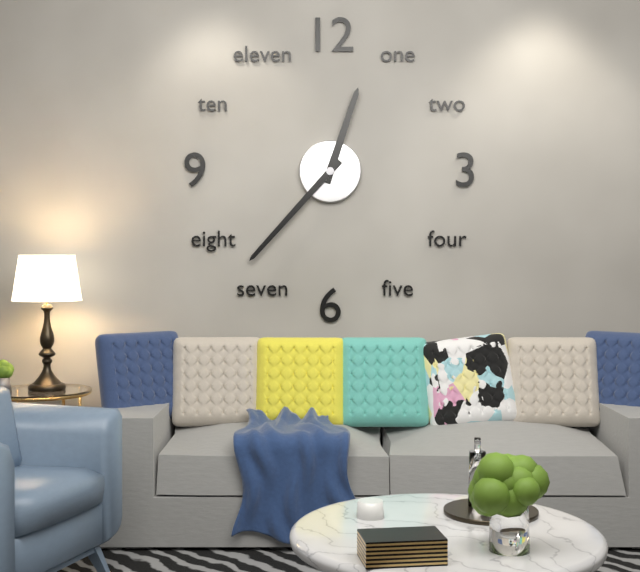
12.37
